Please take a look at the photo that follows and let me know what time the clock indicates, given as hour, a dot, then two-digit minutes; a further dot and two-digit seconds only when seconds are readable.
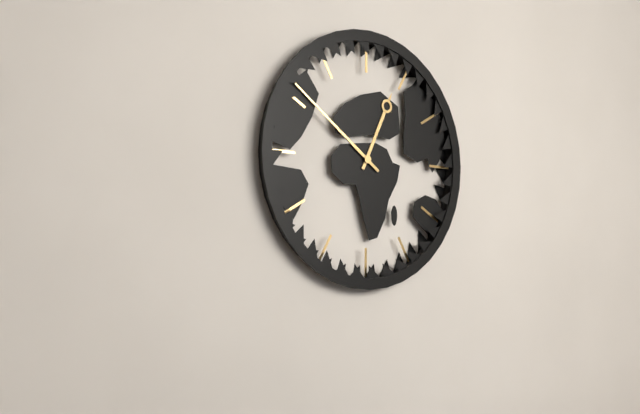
12.51
